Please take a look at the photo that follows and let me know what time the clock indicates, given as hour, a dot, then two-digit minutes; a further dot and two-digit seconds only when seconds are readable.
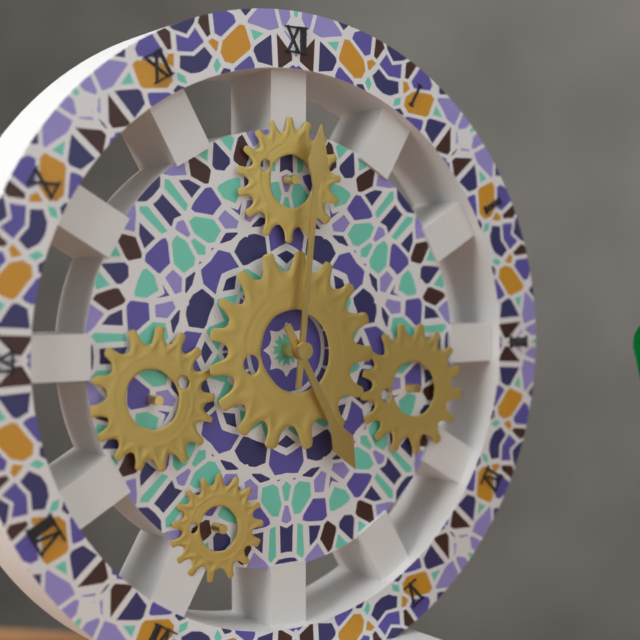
5.01
